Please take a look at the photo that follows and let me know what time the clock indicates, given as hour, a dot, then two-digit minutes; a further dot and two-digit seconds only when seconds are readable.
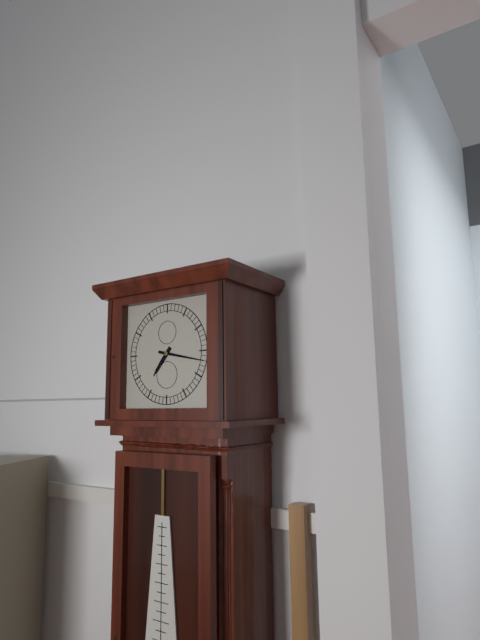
7.17
